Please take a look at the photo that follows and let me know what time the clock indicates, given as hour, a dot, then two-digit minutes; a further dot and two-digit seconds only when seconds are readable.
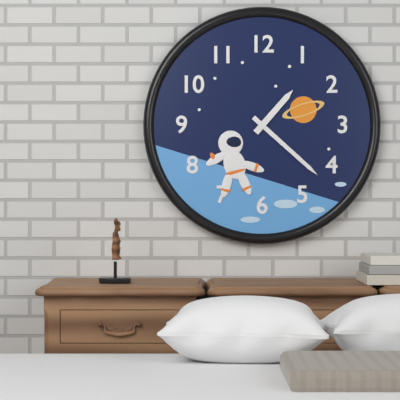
1.22
